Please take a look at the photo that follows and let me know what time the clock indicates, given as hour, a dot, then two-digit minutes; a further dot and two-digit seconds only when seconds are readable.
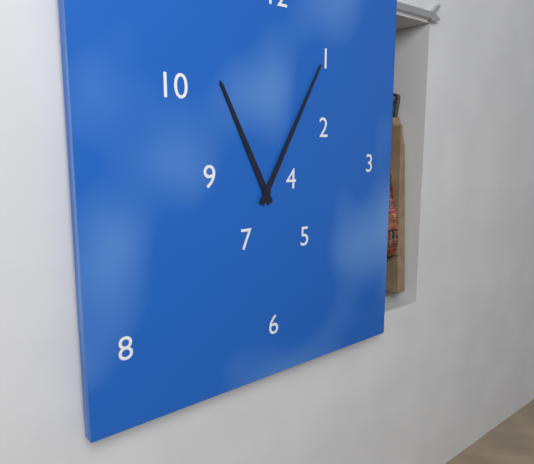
11.05
